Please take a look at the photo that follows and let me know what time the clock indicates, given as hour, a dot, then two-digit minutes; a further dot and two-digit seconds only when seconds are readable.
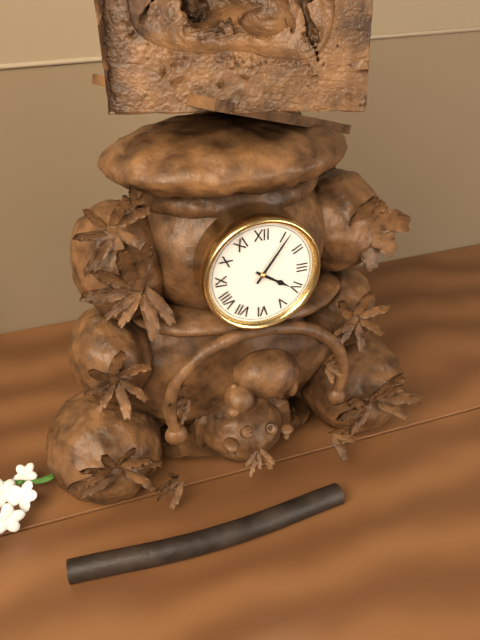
4.06
